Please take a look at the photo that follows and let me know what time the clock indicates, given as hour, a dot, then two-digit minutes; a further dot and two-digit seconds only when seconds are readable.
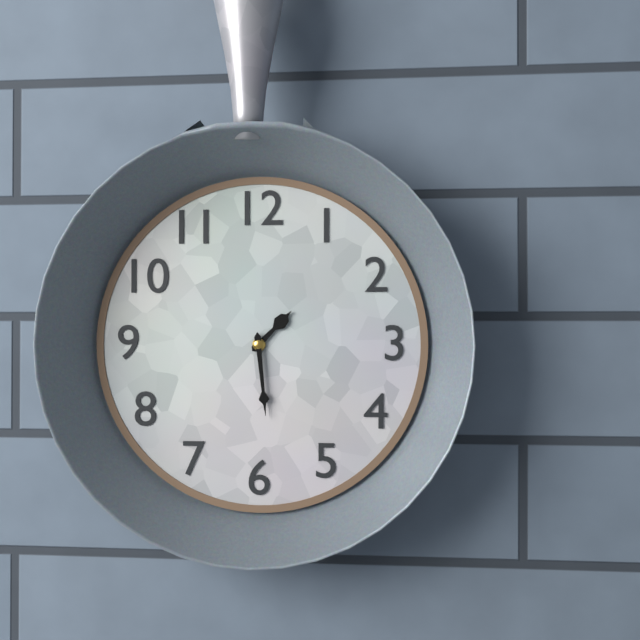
1.29
